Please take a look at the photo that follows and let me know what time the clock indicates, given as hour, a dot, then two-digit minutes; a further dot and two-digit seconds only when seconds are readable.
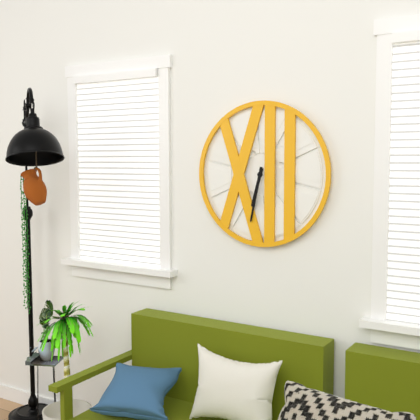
6.32
